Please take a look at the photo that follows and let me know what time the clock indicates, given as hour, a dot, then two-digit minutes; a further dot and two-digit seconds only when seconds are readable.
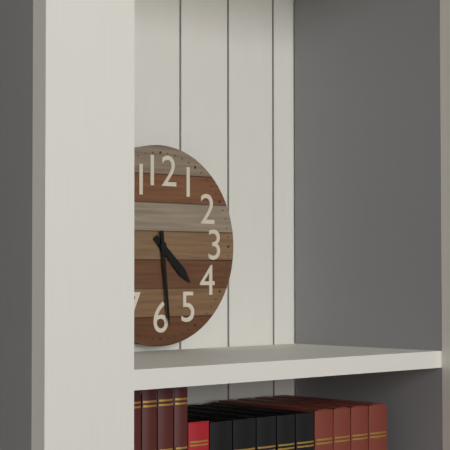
4.29
